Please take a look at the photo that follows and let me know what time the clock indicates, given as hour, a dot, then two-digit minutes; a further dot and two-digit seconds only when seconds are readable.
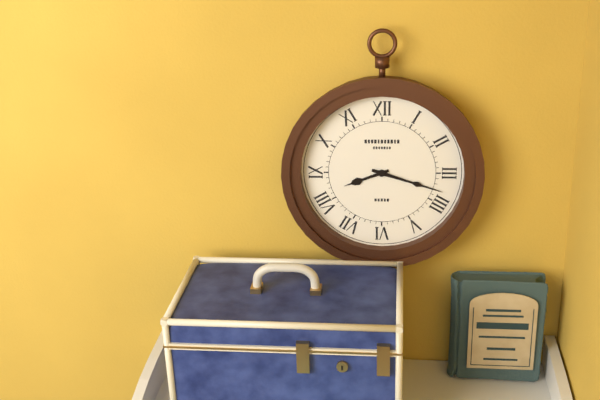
8.18
